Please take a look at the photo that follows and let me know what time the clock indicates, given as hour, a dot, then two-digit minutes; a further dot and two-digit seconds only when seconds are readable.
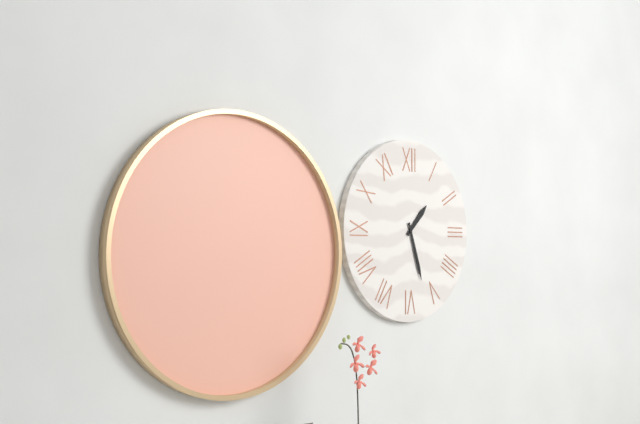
1.27
